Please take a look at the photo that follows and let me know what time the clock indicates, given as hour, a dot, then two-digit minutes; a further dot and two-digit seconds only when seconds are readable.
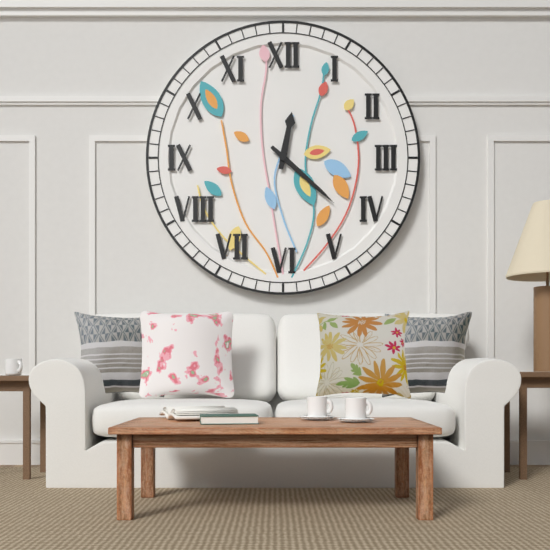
12.22
